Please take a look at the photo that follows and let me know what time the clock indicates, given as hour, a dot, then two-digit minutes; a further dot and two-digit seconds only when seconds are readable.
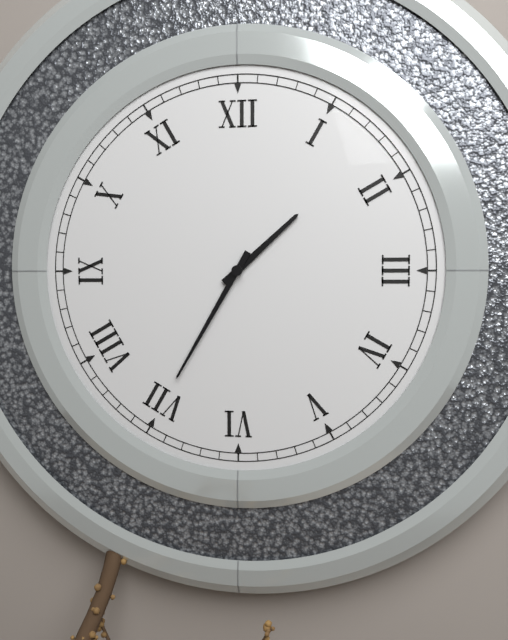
1.35
